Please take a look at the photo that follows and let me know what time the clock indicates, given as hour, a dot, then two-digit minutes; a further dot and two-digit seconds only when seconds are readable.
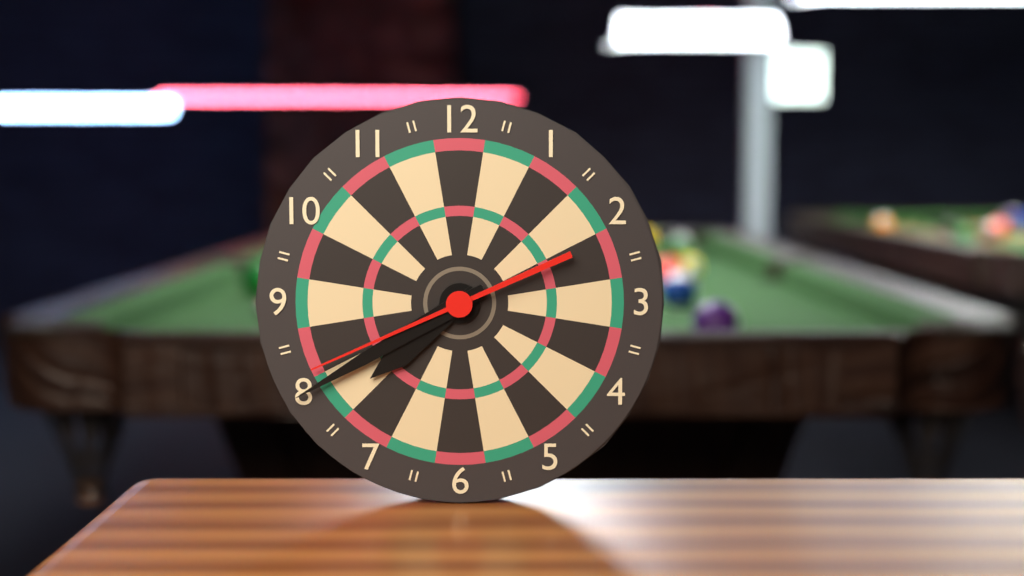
7.40.41
